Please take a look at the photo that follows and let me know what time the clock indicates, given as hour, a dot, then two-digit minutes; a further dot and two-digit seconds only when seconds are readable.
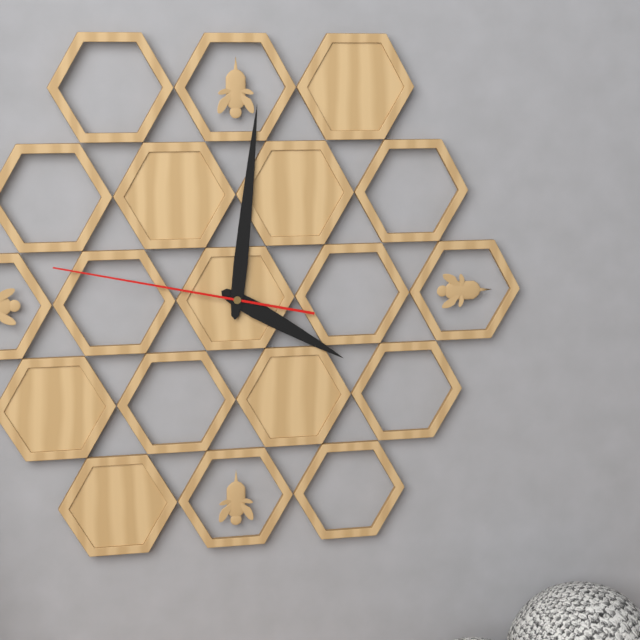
4.01.47
